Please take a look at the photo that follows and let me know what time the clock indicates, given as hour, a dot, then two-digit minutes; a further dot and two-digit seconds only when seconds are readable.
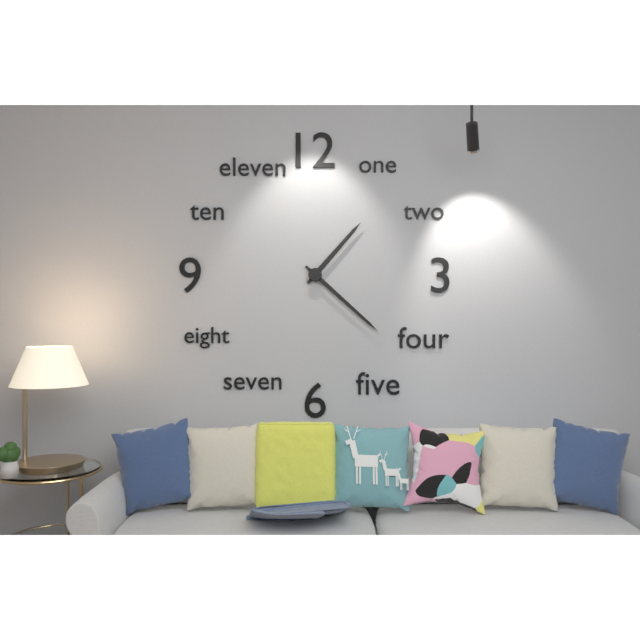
1.22
